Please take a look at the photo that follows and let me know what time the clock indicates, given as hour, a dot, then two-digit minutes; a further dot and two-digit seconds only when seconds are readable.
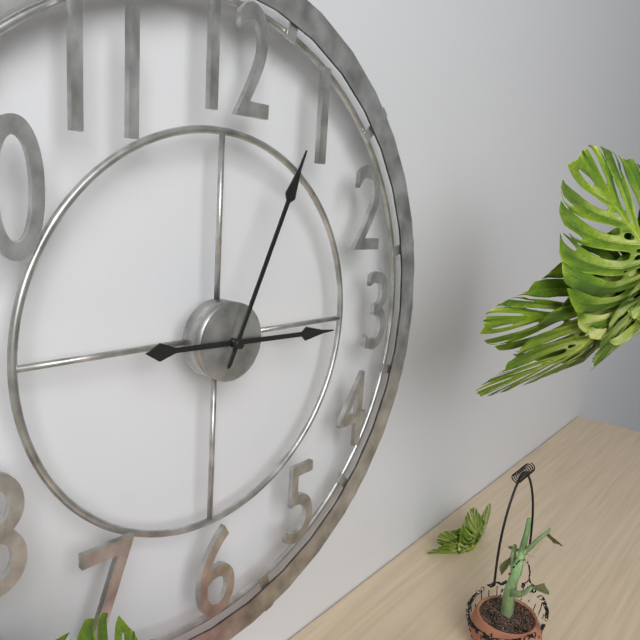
3.04
